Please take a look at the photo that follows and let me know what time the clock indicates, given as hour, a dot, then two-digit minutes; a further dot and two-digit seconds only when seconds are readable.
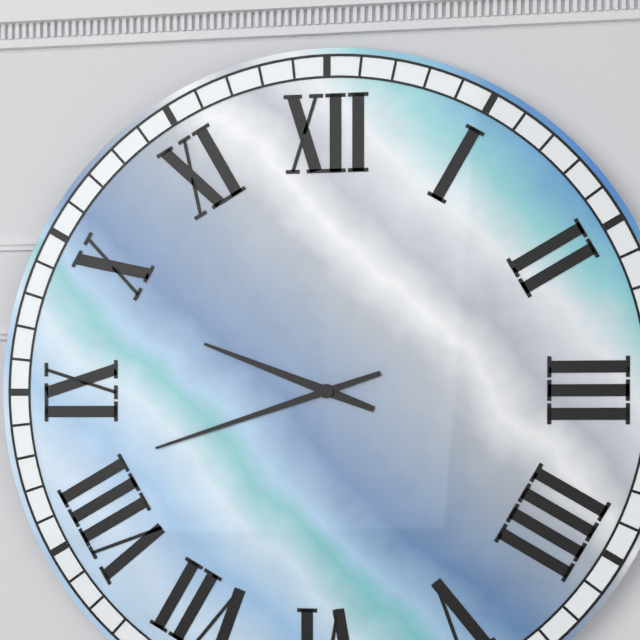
9.42
